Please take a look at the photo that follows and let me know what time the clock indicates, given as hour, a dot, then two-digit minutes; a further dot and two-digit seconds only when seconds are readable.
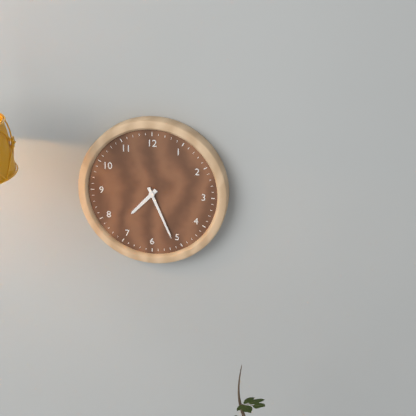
7.26
